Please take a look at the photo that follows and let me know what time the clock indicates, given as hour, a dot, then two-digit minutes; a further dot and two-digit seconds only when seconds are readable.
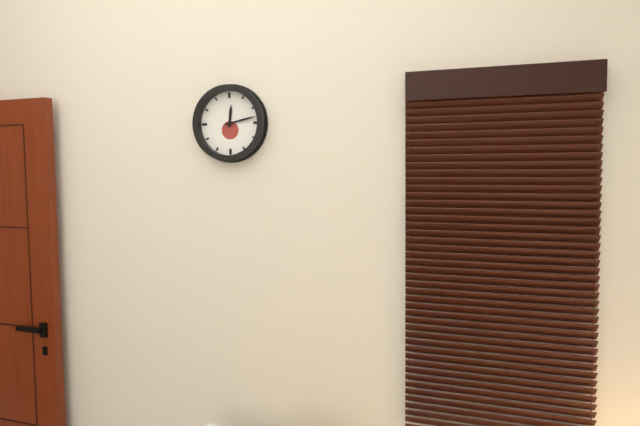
12.13
